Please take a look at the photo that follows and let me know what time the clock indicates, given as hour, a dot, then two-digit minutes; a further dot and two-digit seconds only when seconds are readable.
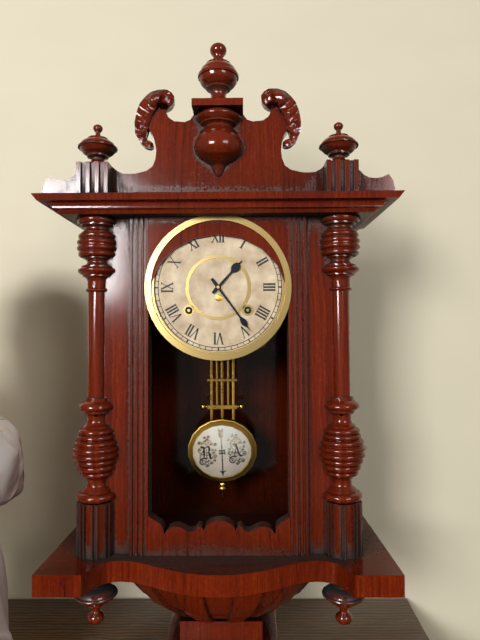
1.24
